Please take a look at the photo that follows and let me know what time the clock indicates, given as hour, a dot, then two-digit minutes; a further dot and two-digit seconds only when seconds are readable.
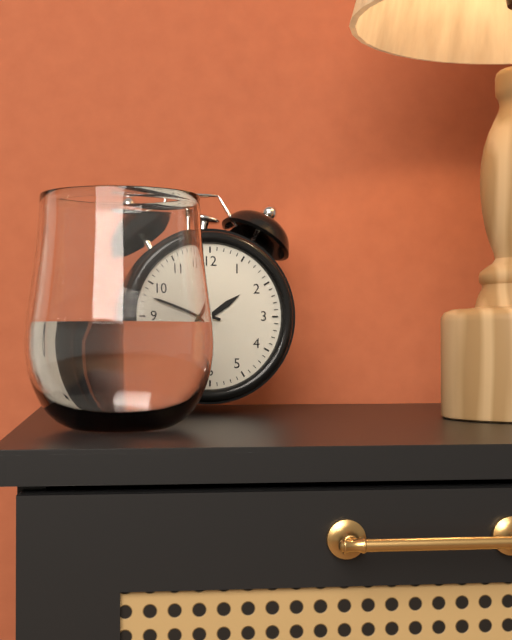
1.48
